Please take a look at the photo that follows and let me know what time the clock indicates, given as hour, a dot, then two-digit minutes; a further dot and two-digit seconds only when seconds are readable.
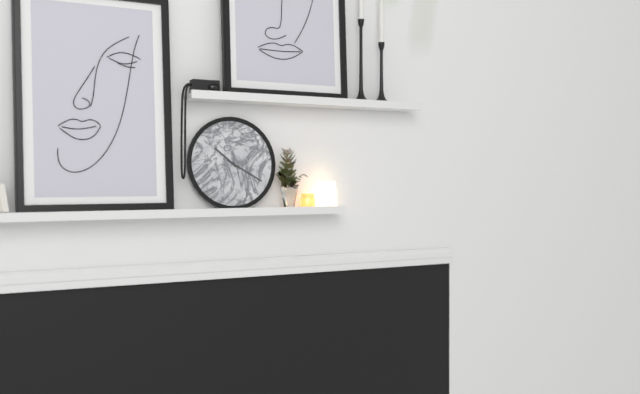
10.20
